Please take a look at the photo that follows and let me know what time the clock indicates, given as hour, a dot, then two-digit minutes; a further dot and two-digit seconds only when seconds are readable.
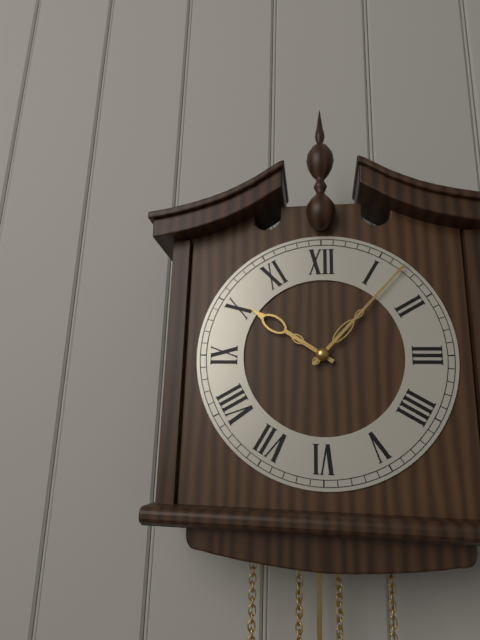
10.07
